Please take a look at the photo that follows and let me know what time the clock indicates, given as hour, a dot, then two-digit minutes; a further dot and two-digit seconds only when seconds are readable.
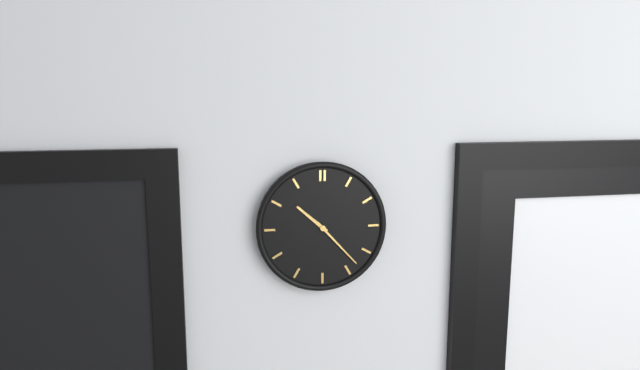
10.23
